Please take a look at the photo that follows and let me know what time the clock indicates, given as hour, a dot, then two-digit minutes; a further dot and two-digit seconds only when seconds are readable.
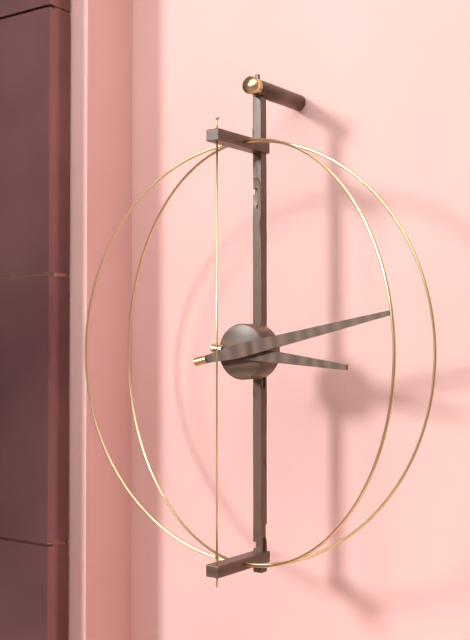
3.13
